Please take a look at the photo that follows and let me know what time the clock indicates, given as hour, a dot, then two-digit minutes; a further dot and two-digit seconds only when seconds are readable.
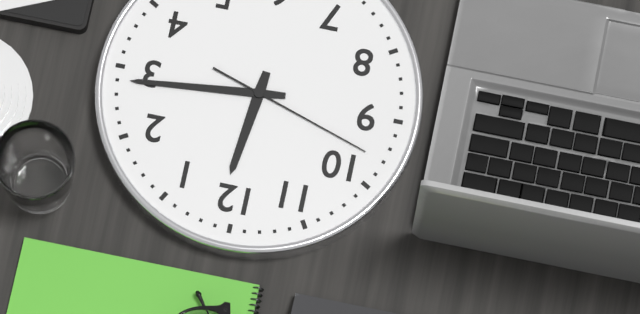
12.14.48
